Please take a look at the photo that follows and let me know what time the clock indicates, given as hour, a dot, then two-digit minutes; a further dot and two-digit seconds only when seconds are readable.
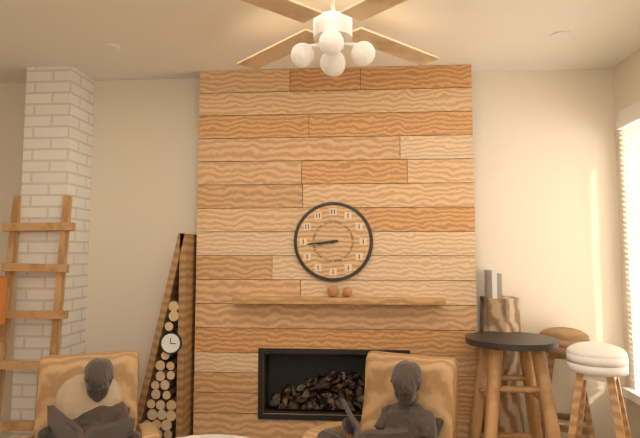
8.44
